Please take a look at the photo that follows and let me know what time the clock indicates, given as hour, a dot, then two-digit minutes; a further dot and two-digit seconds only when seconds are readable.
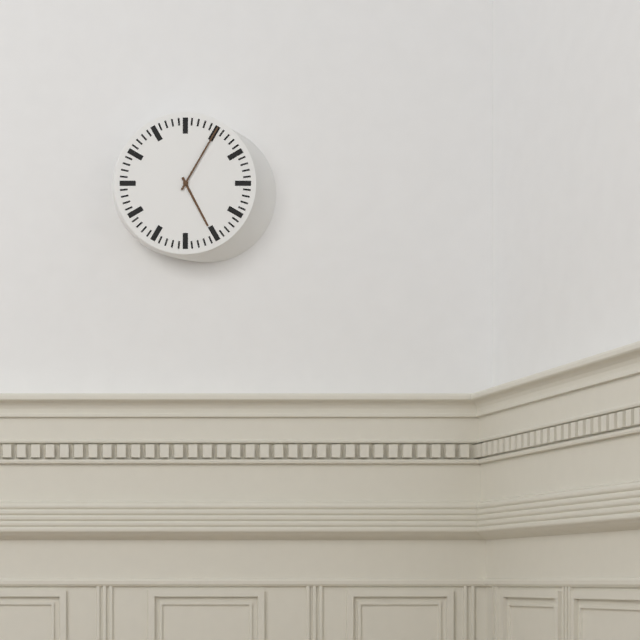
5.05
